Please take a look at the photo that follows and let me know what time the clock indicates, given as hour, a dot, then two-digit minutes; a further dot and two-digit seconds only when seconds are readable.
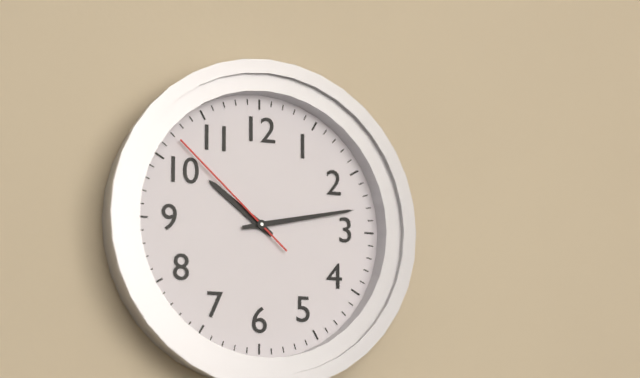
10.13.52
